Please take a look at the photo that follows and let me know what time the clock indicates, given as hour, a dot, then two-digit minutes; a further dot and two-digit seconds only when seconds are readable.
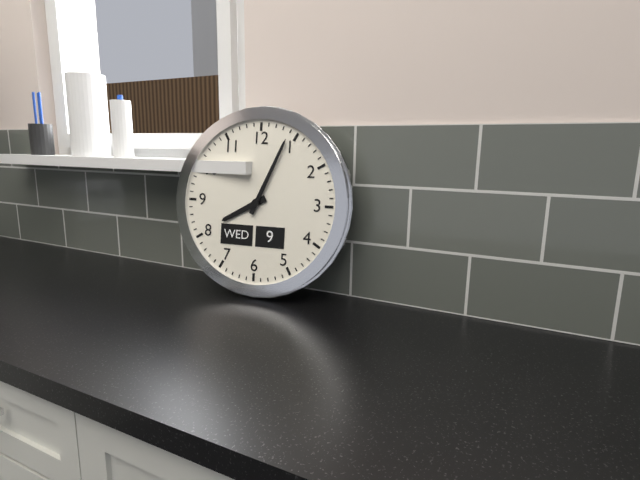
8.04
